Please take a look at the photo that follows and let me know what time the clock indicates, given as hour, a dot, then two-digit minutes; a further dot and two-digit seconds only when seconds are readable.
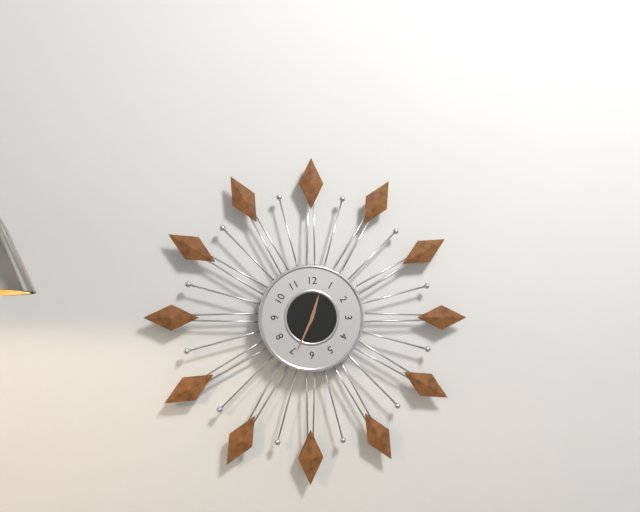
12.34
